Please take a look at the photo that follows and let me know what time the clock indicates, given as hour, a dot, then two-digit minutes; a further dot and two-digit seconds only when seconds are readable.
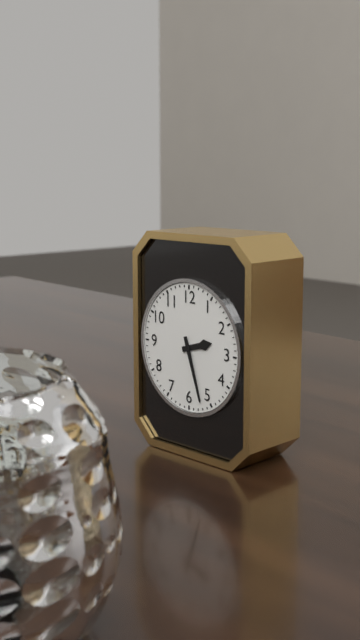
2.27
